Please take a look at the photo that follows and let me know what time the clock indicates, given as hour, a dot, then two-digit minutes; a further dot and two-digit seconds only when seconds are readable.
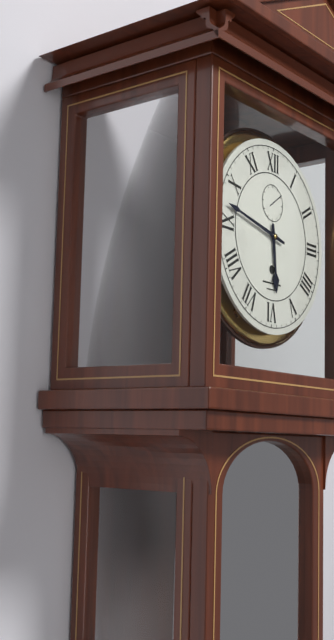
5.47
